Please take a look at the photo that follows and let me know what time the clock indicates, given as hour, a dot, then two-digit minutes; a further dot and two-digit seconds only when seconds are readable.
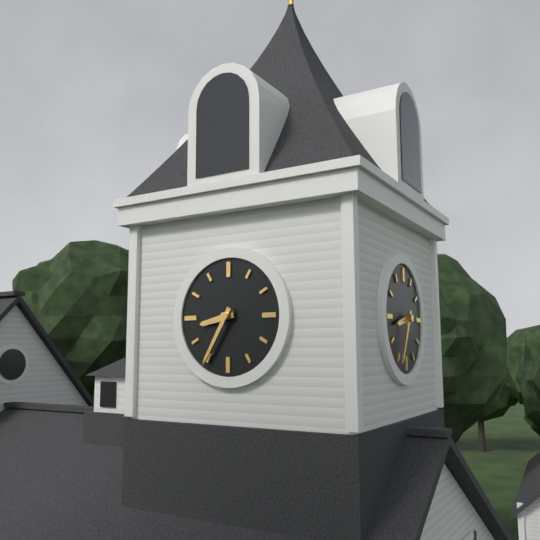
8.35
